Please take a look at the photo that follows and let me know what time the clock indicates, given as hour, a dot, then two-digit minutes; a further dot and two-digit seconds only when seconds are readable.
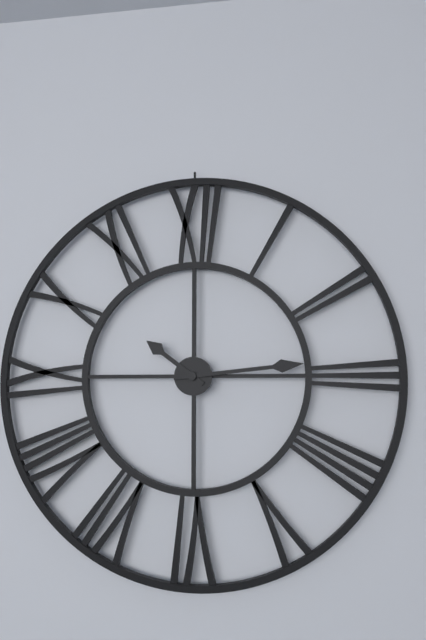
10.14
